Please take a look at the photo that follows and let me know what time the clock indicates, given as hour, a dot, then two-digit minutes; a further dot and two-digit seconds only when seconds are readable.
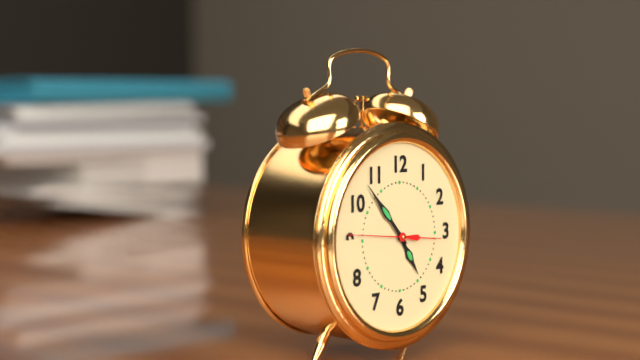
4.53.46
